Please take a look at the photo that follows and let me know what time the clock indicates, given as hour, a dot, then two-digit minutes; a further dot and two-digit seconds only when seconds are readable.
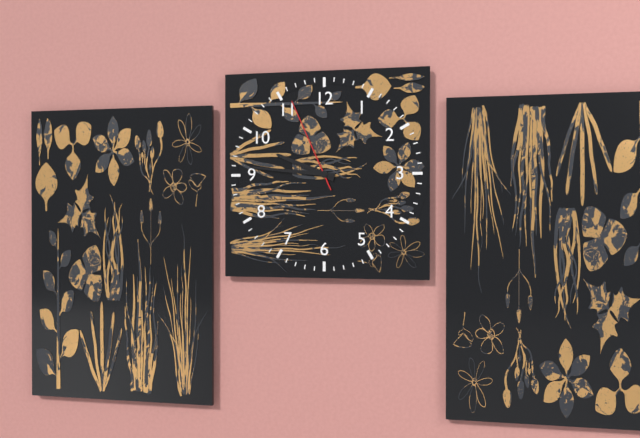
9.46.56
